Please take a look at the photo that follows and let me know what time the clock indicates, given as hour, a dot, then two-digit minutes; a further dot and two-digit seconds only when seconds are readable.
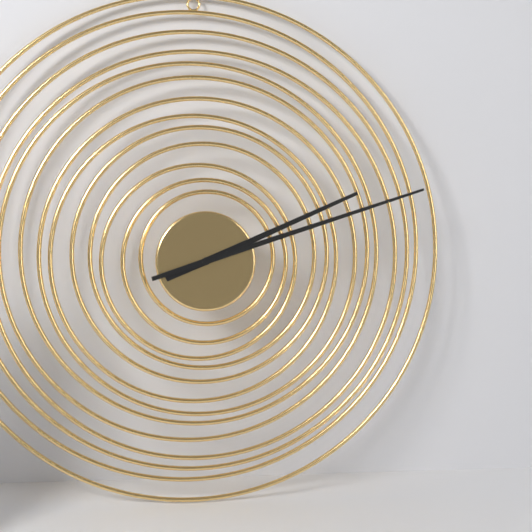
2.12
